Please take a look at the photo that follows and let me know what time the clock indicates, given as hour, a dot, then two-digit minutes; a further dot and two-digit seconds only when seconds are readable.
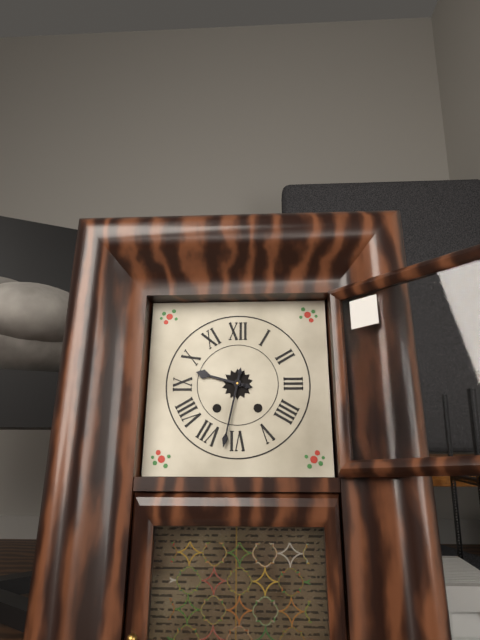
9.32
